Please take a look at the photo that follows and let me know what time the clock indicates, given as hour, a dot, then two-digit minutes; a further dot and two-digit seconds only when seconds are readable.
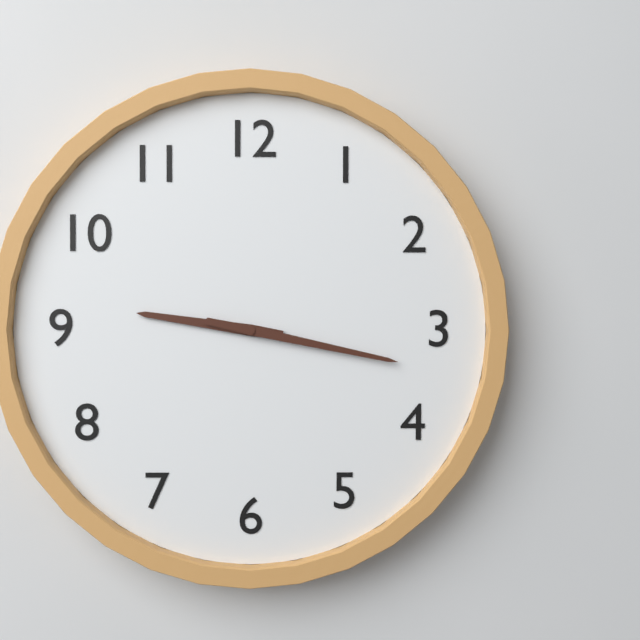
9.17
